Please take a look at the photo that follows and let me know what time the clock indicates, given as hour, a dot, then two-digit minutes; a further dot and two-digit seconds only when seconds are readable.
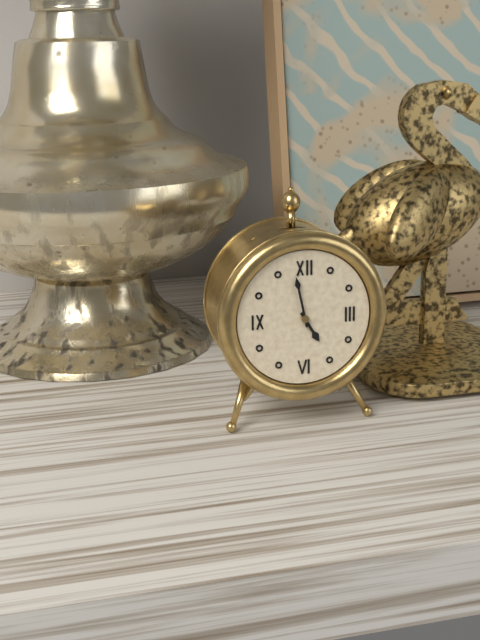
4.58
